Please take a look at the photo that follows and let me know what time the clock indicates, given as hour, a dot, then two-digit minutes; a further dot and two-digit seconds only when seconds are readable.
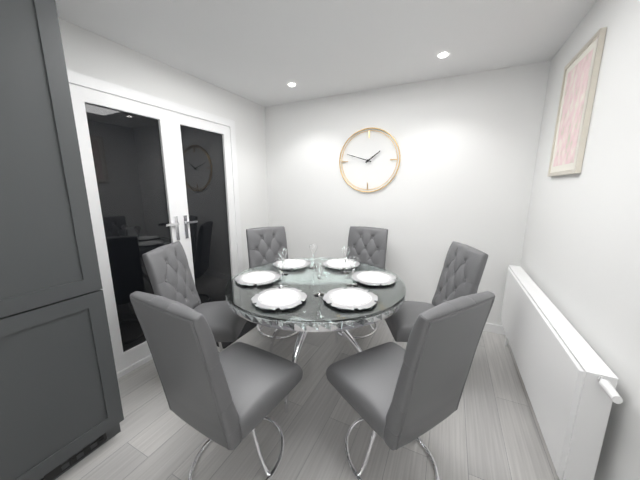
1.48
